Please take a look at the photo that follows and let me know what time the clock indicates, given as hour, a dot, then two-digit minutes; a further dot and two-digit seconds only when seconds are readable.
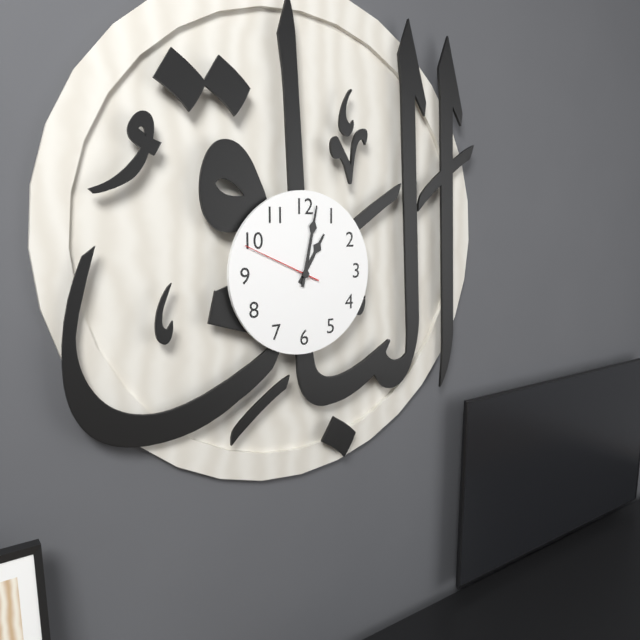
1.02.49
